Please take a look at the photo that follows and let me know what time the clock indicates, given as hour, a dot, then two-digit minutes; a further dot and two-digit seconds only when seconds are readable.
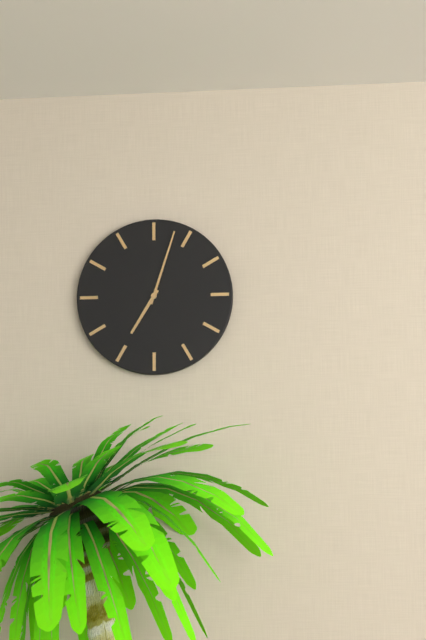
7.03
